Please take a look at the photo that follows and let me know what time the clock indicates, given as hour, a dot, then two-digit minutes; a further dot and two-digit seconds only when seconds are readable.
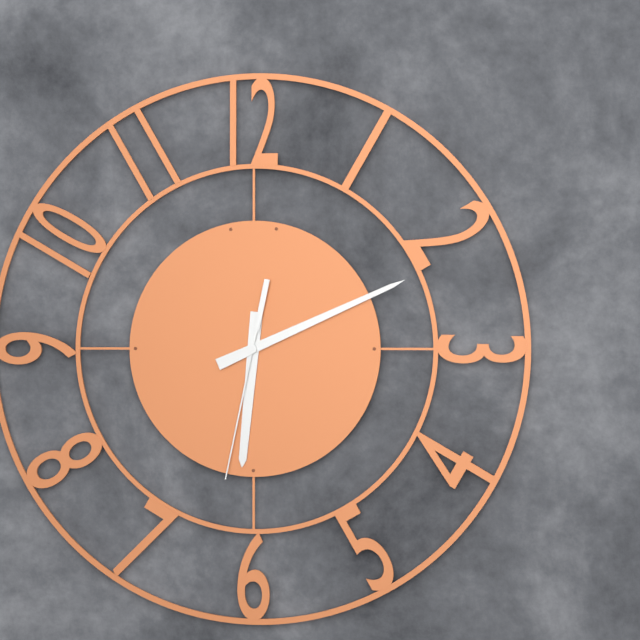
6.11.32
